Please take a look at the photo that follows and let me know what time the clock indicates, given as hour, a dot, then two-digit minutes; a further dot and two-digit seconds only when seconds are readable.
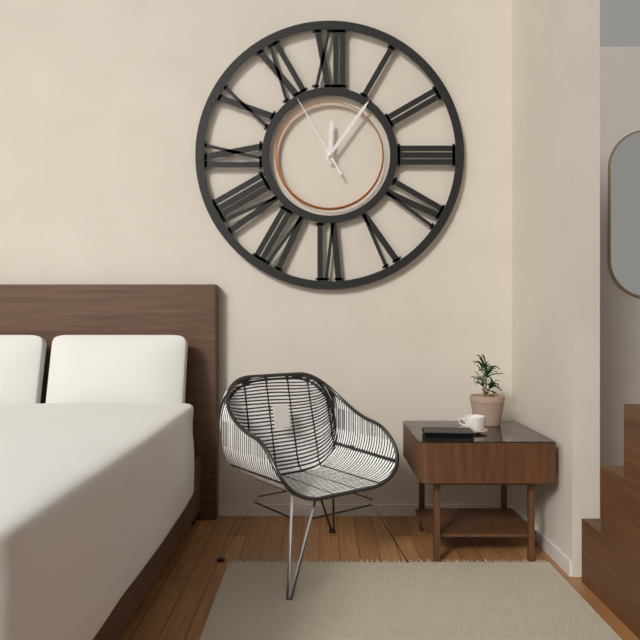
12.06.55
